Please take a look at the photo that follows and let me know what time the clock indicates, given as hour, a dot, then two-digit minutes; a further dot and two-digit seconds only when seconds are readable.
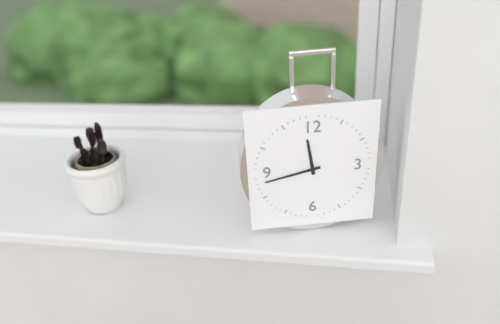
11.43
